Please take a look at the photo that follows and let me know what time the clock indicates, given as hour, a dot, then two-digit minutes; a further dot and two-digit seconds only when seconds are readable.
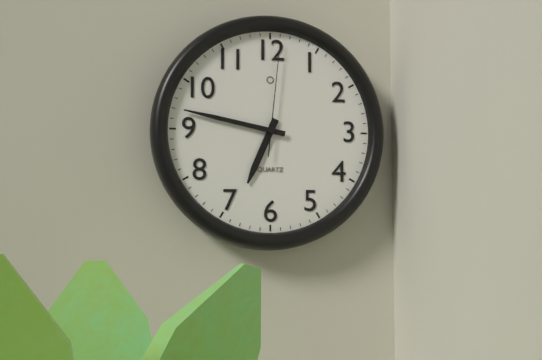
6.47.01
